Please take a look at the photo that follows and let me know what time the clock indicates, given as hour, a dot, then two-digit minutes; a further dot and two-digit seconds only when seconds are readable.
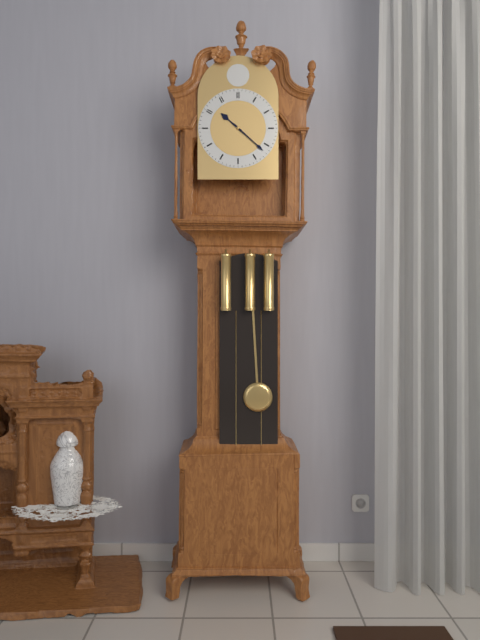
10.22
